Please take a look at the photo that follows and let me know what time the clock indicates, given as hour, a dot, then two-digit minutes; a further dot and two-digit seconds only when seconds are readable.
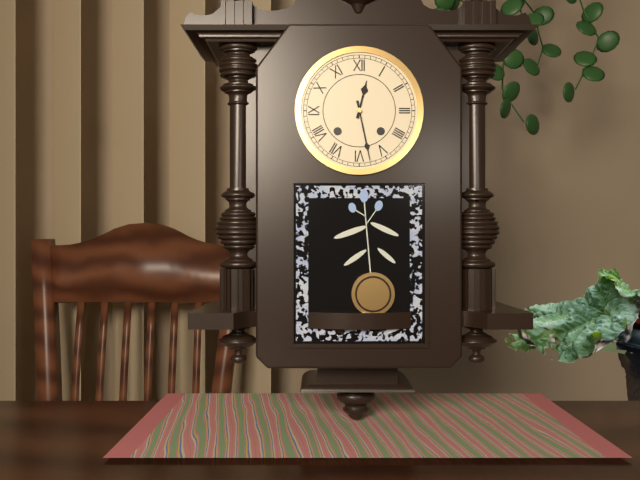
12.28
